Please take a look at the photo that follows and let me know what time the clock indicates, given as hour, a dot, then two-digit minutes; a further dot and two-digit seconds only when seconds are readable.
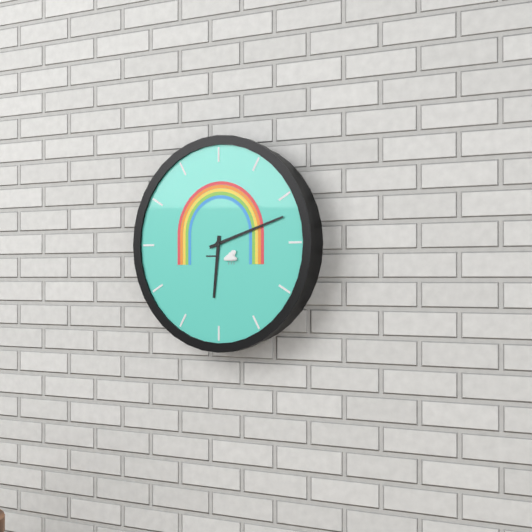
6.12
